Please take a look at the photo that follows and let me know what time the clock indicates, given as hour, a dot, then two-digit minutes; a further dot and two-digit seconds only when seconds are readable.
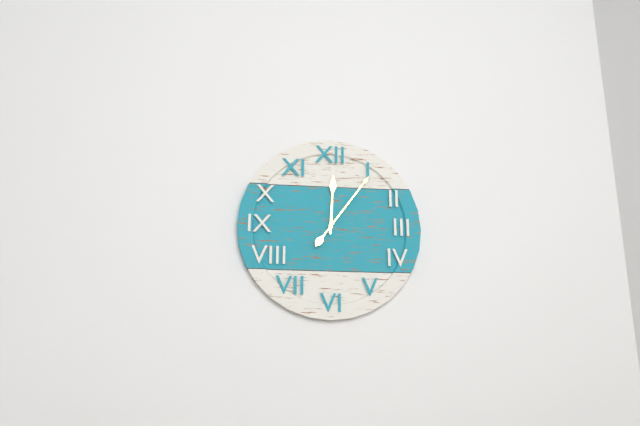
12.06
